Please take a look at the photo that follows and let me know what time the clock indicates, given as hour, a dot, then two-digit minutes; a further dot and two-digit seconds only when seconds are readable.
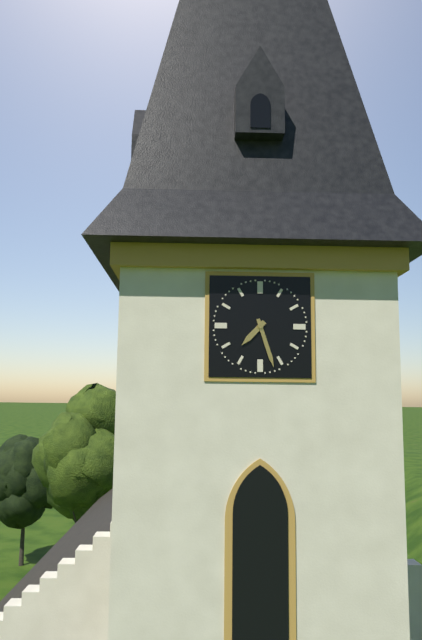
7.27
